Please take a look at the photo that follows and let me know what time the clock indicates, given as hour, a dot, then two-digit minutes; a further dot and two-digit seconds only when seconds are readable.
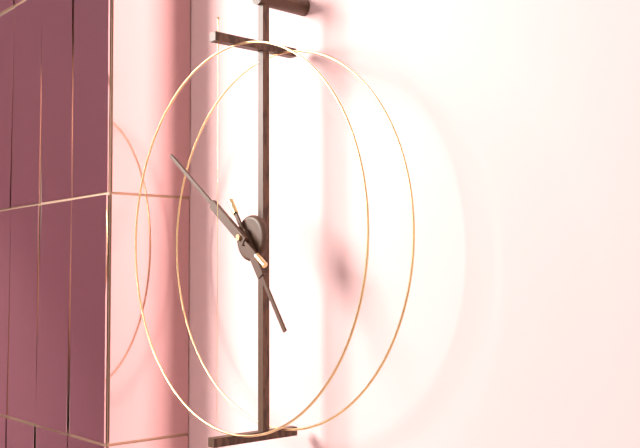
4.51
